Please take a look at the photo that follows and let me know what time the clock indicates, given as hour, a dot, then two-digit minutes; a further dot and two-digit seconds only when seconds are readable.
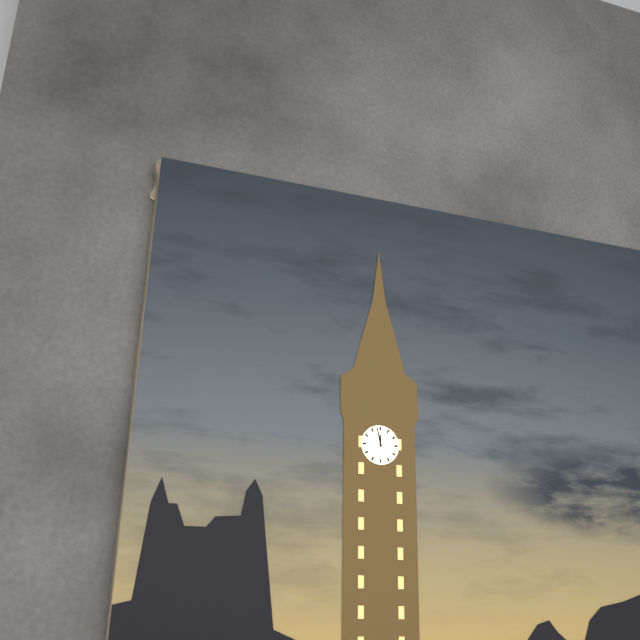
11.58
